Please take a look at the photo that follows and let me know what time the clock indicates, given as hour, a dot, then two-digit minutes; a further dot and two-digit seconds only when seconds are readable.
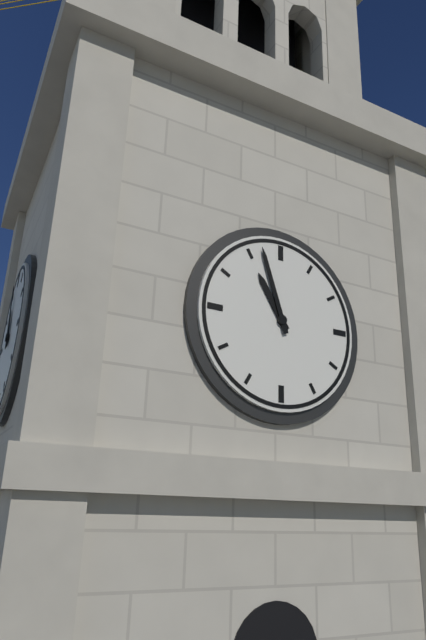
10.57
